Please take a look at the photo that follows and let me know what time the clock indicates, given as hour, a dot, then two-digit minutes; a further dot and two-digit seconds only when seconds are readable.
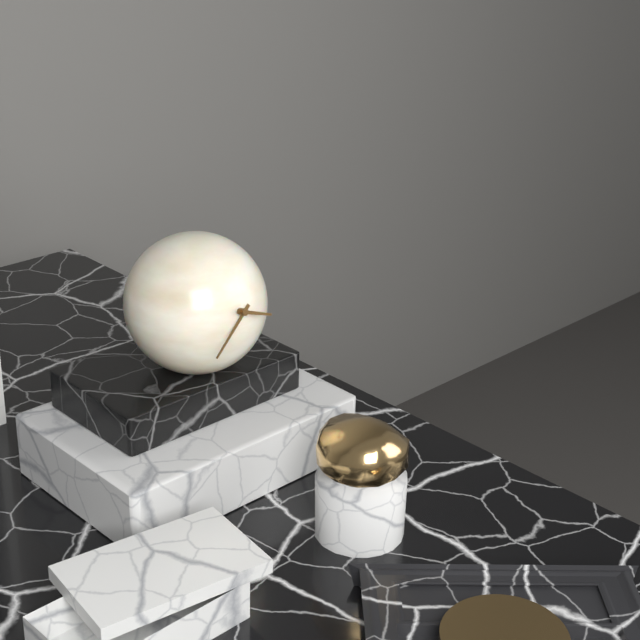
3.38
